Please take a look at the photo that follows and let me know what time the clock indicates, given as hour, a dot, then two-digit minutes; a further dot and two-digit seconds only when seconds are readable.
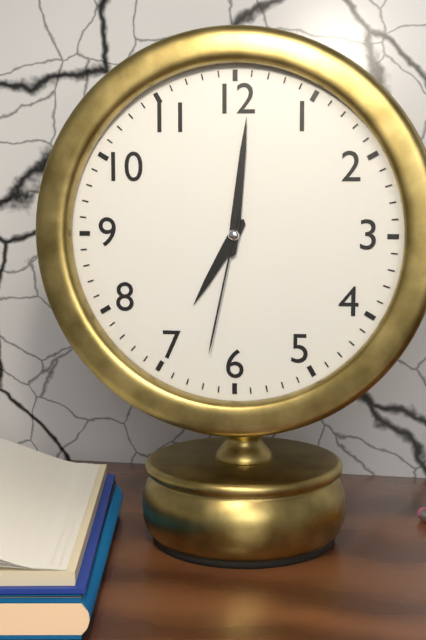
7.01.32
